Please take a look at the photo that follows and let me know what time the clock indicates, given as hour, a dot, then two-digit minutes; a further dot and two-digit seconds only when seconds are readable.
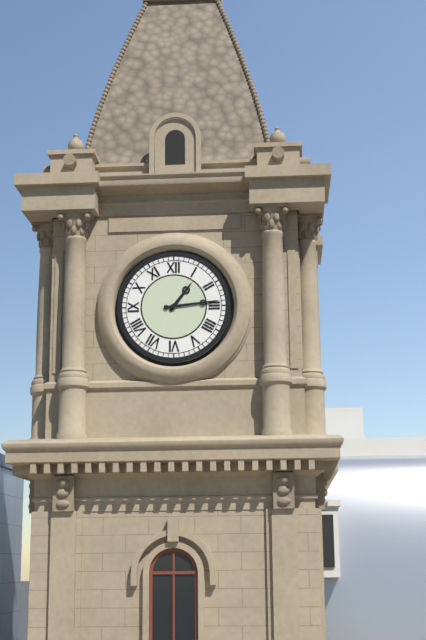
1.14
